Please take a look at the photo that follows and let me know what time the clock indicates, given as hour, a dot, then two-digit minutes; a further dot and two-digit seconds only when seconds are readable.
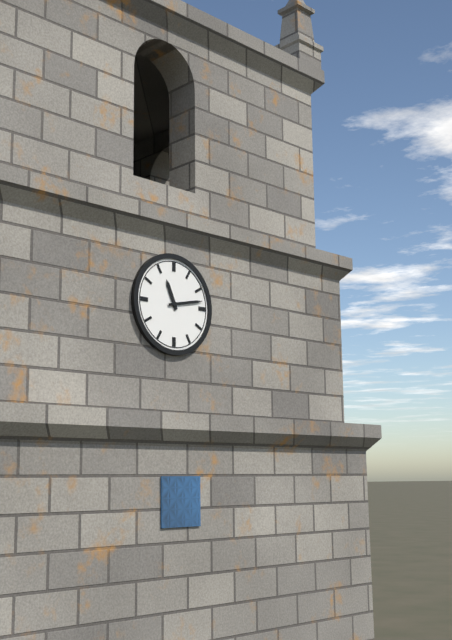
11.13
